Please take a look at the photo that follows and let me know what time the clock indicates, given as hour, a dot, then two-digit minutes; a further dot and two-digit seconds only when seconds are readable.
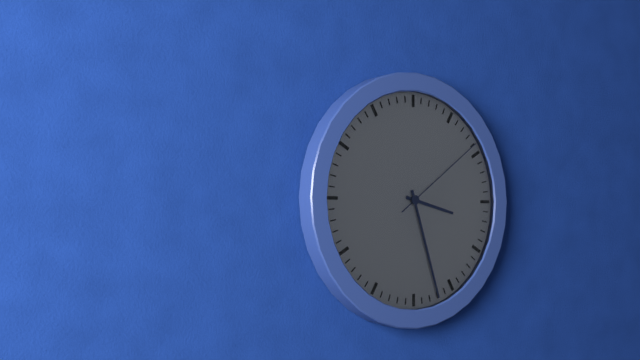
3.27.09
